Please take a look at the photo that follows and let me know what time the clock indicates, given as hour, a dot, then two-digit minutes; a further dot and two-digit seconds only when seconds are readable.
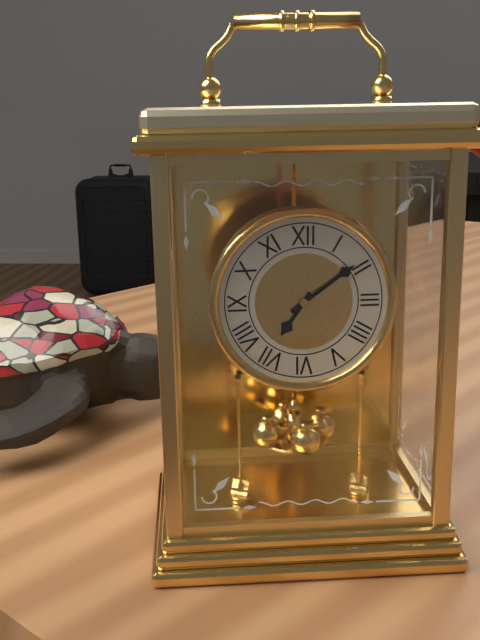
7.09
